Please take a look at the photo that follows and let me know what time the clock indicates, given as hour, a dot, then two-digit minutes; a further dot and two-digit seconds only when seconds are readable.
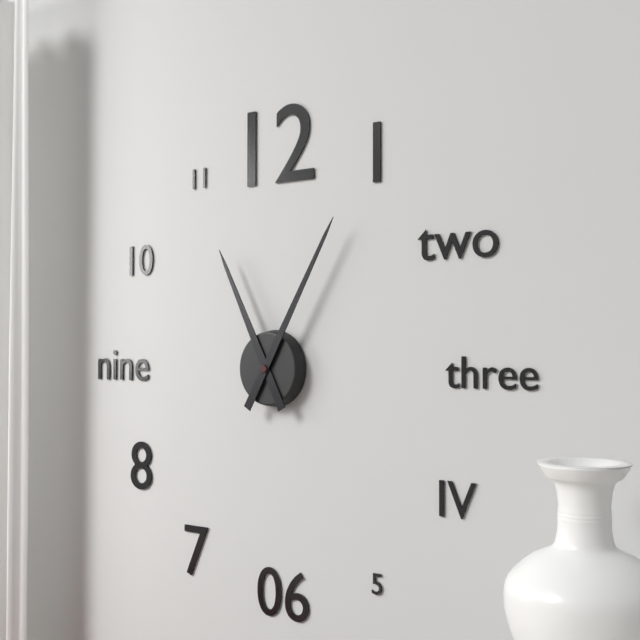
11.05
